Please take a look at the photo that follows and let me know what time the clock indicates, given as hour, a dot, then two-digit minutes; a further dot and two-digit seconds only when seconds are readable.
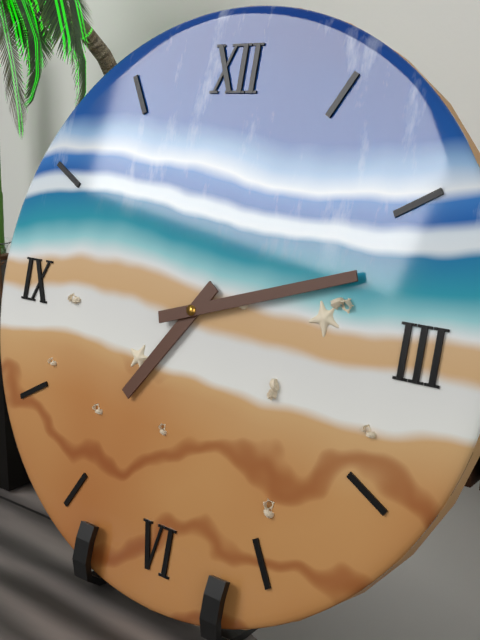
7.12
